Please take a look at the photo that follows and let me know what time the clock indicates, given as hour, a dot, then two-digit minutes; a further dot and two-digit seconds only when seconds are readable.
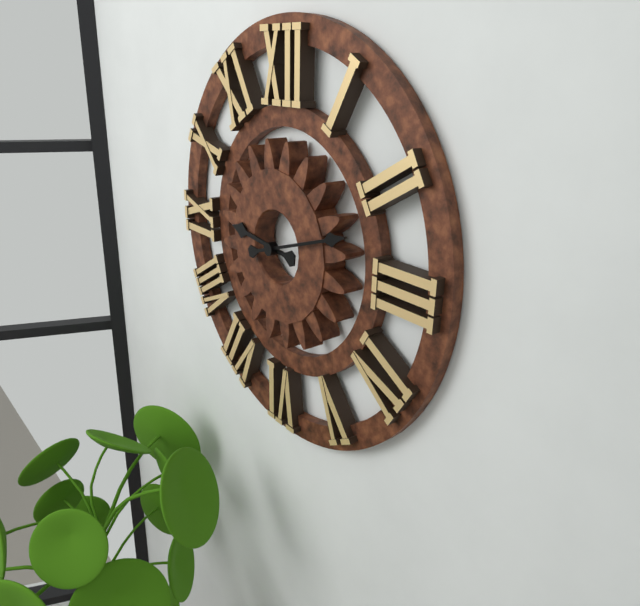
9.12
